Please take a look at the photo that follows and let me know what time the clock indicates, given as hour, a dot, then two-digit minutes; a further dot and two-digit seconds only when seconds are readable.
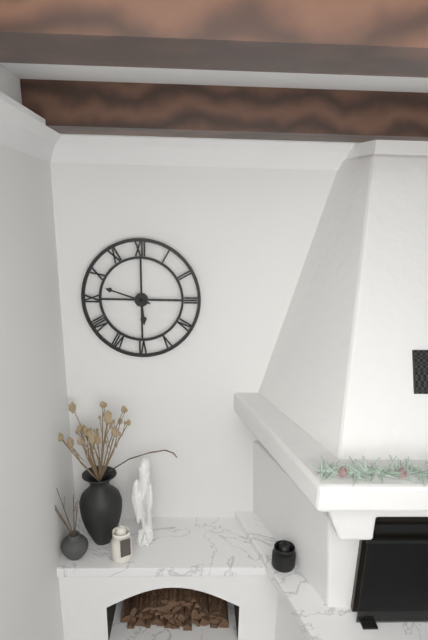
5.48
